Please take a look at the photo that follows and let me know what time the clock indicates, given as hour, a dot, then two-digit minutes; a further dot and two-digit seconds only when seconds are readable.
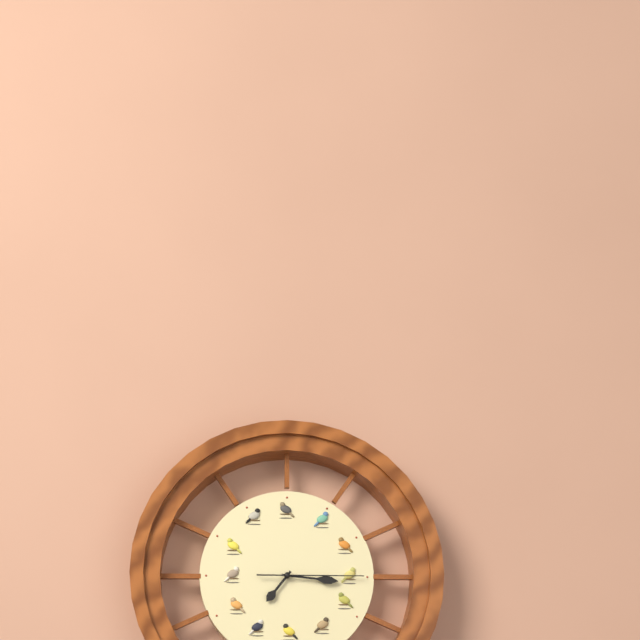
7.16.15
